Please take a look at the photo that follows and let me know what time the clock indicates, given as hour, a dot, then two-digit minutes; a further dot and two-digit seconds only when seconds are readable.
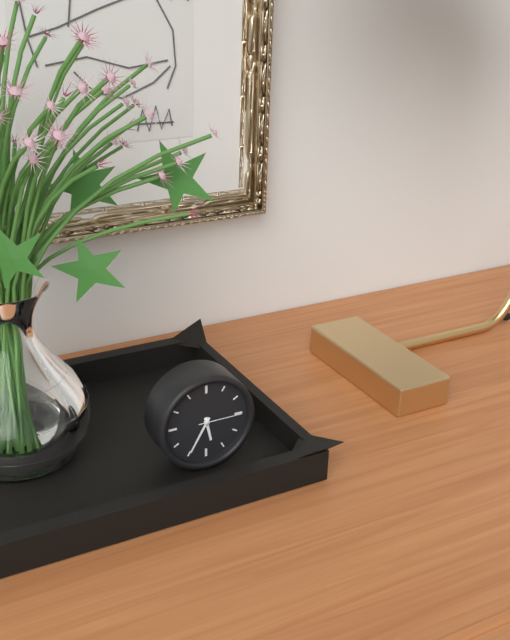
5.35
